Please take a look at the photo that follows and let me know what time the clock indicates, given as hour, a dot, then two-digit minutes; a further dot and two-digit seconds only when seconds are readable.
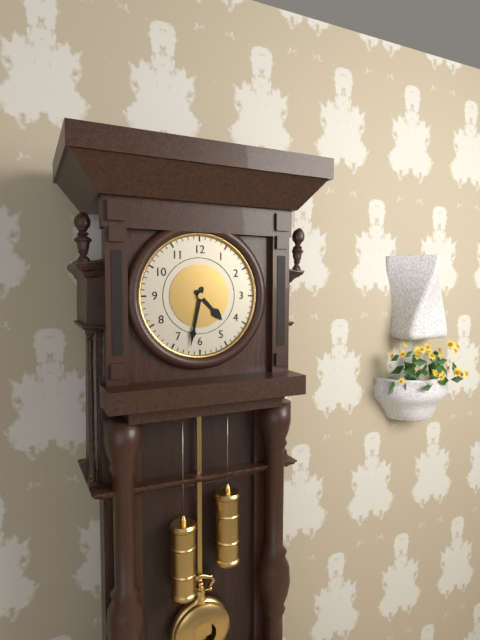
4.32
